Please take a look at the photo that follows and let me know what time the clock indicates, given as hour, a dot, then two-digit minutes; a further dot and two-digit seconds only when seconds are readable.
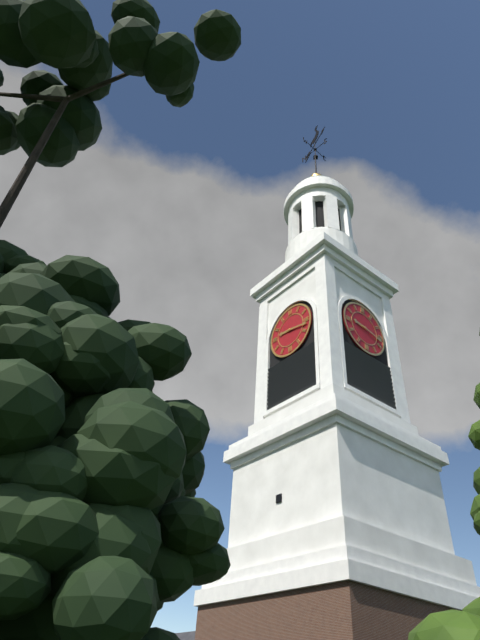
9.17
